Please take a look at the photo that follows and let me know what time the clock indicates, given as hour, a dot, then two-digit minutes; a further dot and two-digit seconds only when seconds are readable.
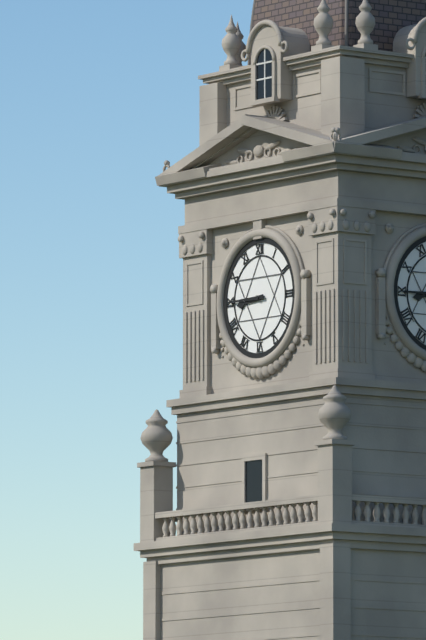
8.45
